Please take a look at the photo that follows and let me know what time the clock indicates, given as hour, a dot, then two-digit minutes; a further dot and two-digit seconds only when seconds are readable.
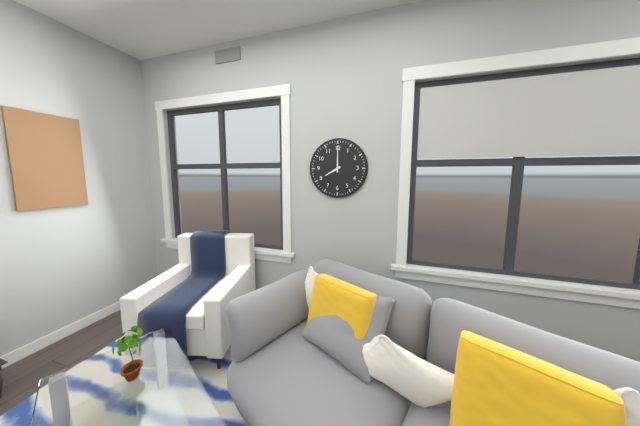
8.00
